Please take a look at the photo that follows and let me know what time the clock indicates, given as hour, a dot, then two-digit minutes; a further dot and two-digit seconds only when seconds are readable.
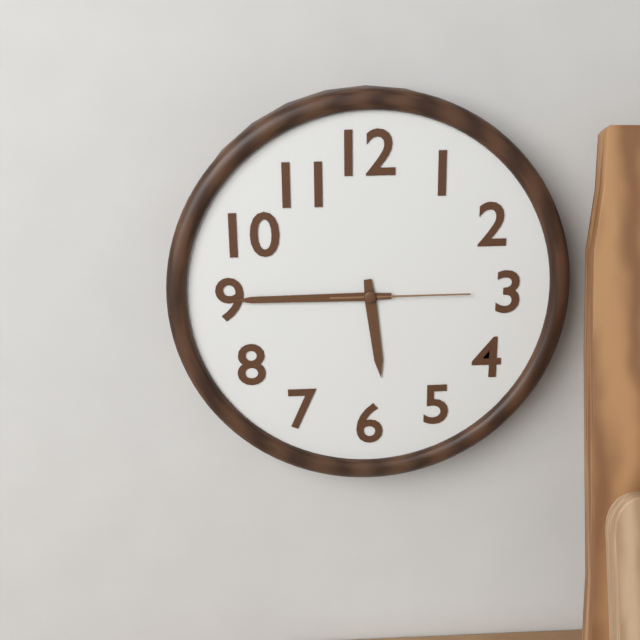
5.45.15
